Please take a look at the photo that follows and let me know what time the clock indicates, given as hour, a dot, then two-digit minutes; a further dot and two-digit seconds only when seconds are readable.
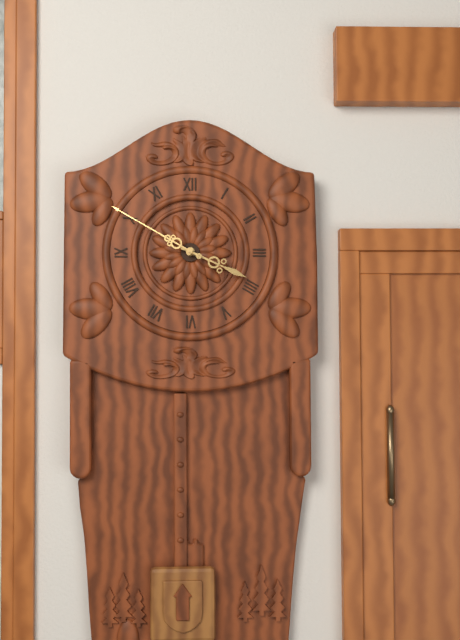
3.50
